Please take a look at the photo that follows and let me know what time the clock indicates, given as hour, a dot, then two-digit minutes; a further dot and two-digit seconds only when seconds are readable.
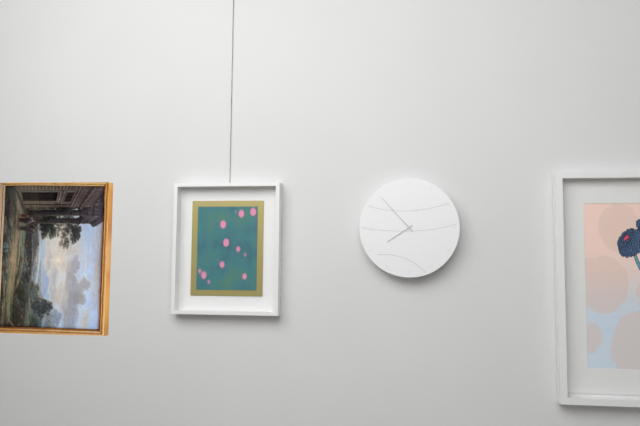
7.53
